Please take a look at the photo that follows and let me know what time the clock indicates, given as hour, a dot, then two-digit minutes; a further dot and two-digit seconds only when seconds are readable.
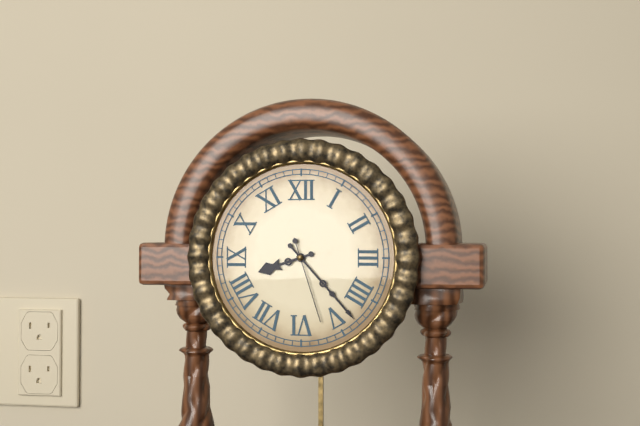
8.23.27
